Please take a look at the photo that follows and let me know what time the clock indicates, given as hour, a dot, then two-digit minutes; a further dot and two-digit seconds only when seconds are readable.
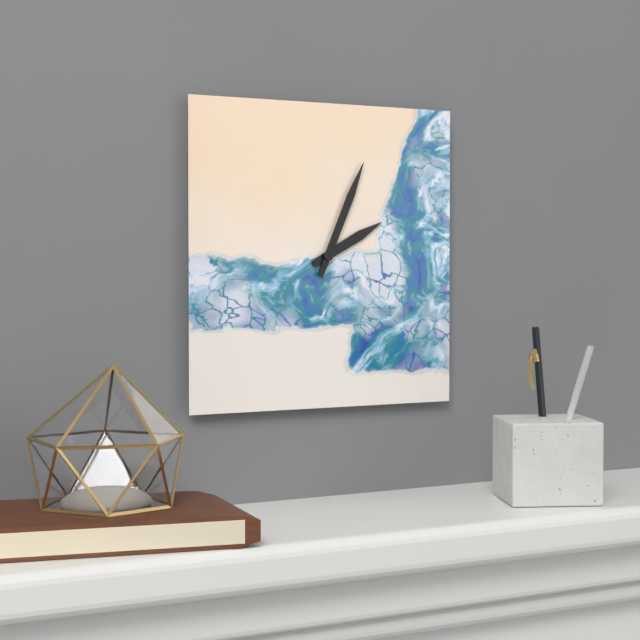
2.04
